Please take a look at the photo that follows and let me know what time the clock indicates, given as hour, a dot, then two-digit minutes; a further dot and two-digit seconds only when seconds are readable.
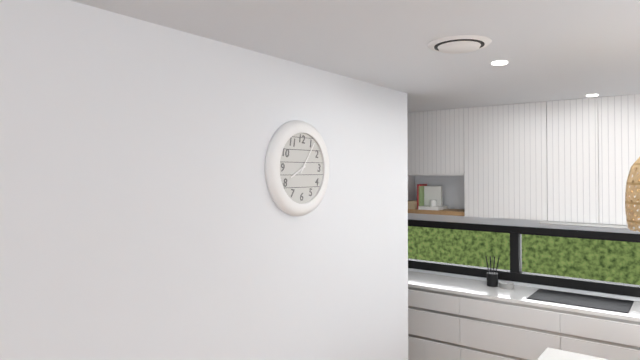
8.06
